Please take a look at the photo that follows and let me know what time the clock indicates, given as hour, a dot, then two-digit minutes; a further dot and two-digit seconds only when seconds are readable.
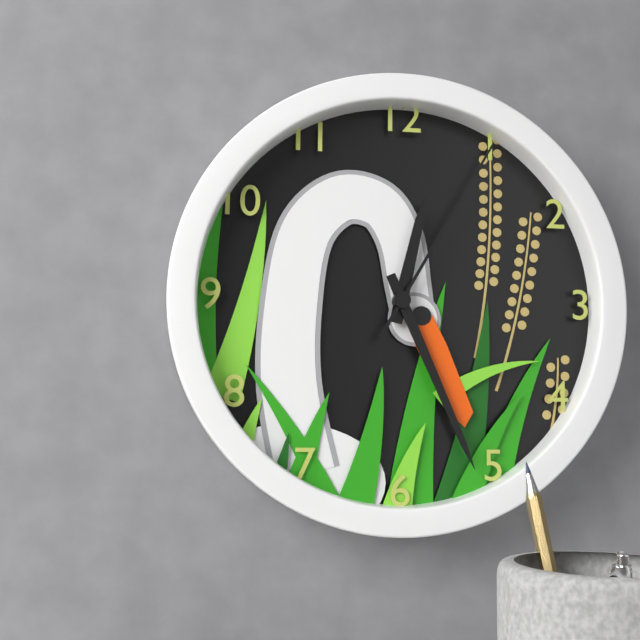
12.26.05
